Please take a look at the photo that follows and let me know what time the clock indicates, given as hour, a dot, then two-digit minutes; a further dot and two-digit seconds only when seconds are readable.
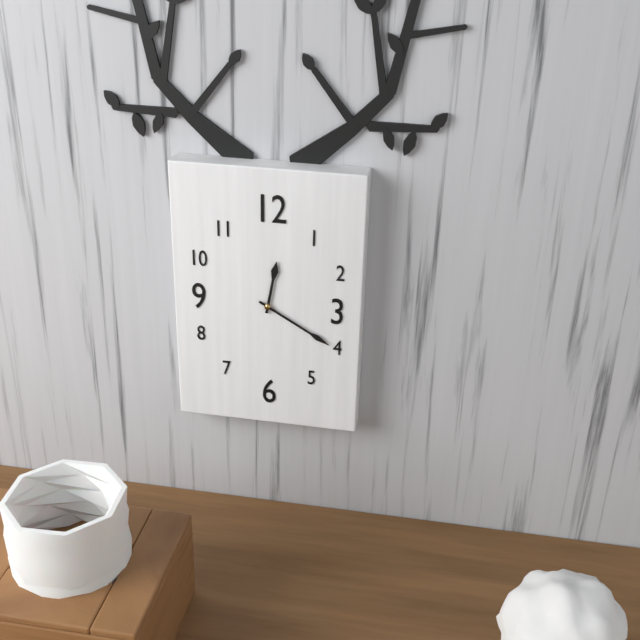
12.20
